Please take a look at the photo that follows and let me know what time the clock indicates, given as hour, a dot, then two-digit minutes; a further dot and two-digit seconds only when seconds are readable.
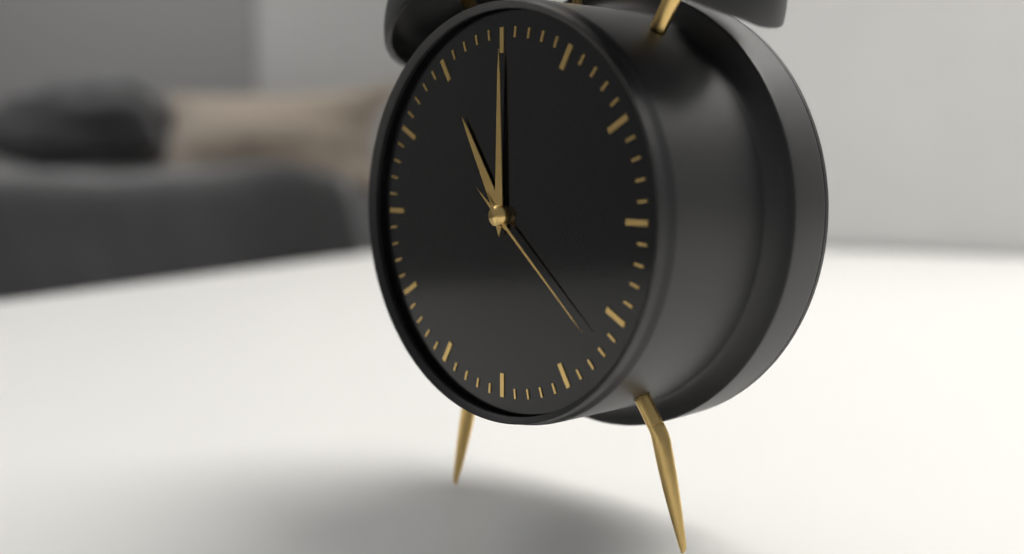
11.00.22
